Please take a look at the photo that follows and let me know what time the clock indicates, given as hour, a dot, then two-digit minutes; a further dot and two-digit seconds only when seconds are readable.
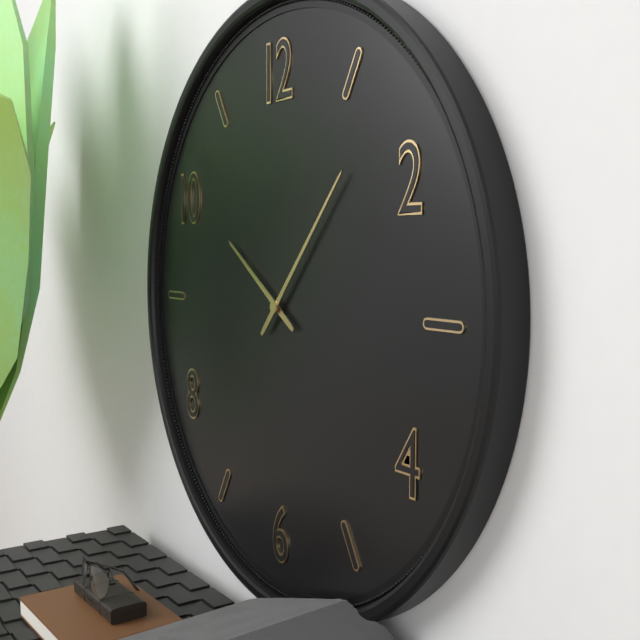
10.07
